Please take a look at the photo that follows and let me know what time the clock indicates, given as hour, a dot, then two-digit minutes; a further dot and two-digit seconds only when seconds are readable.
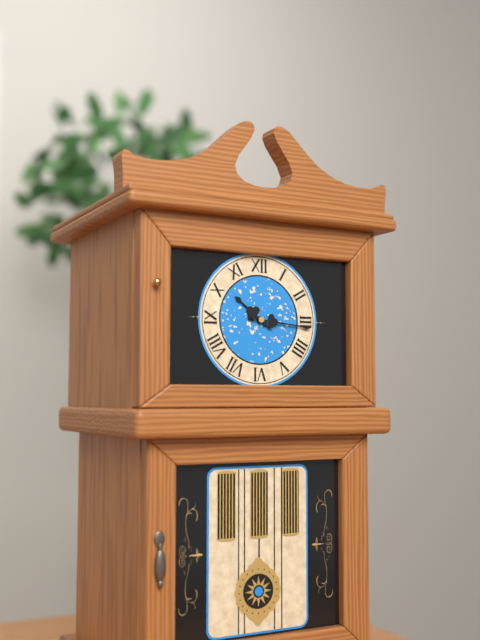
10.16
